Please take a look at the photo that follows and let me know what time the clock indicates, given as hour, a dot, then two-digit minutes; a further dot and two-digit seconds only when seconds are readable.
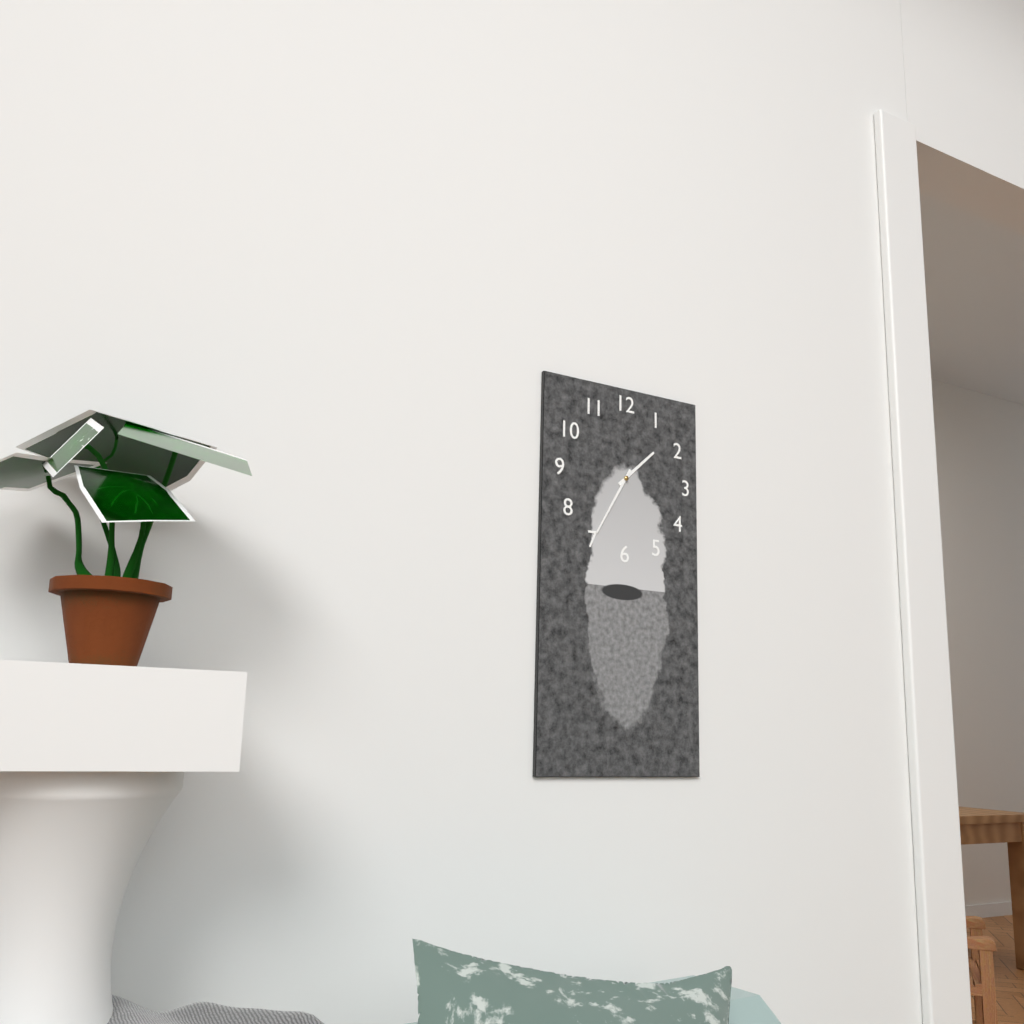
1.35
